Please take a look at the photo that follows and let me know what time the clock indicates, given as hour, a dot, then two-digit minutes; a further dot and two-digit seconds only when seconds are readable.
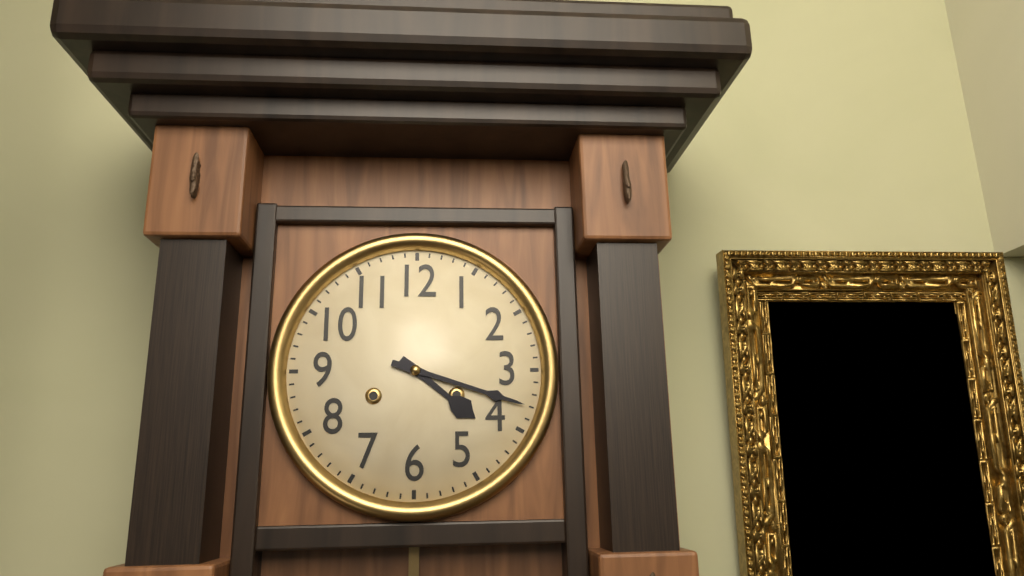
4.18
